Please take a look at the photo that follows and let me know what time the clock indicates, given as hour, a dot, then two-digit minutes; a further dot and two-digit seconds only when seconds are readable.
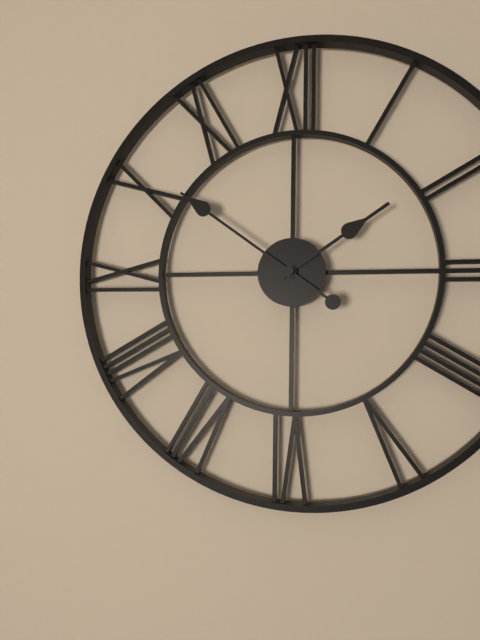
1.51
